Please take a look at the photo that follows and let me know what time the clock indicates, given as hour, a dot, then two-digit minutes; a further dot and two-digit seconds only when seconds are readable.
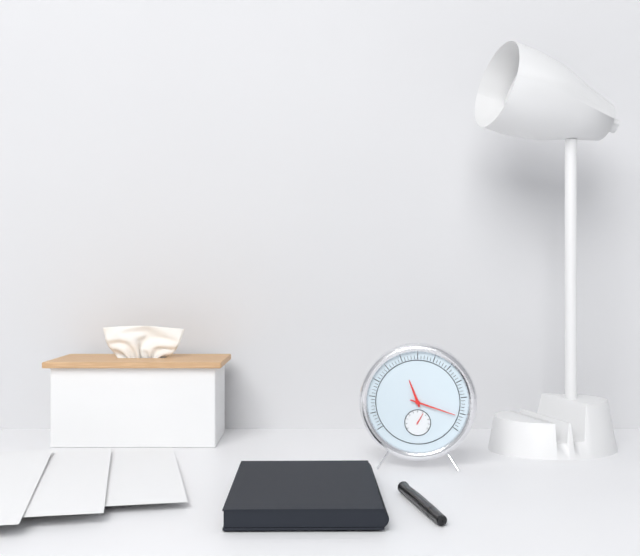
11.18
